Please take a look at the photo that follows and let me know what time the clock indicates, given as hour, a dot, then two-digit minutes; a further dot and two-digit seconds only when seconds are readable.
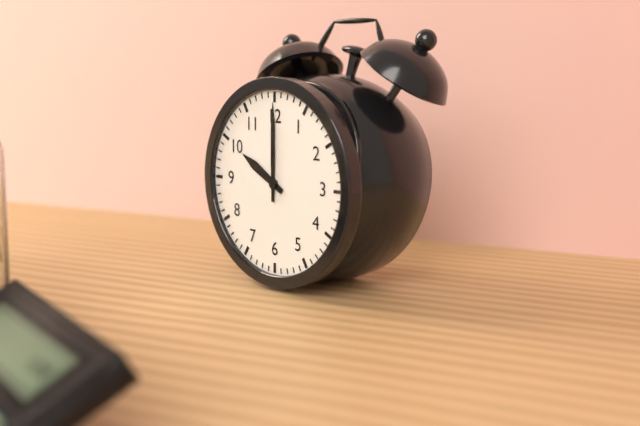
10.00
